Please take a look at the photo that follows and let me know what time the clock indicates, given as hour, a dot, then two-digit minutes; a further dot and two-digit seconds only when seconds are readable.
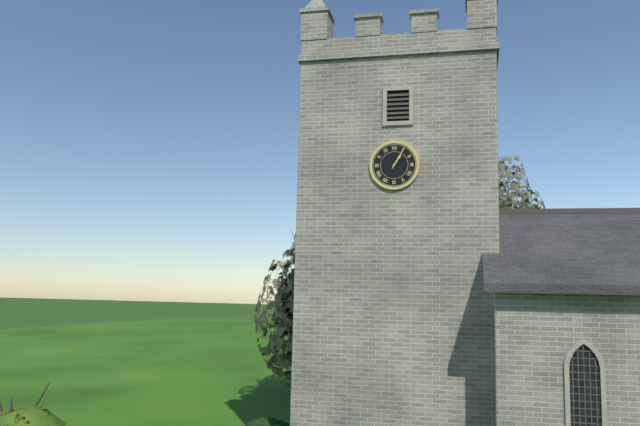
1.05
